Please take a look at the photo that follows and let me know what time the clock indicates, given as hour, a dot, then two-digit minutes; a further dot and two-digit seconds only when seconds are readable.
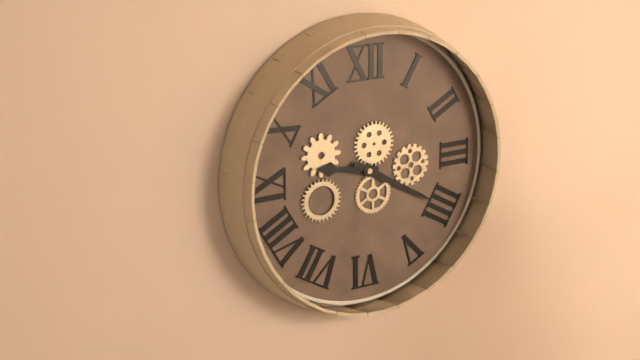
9.20
